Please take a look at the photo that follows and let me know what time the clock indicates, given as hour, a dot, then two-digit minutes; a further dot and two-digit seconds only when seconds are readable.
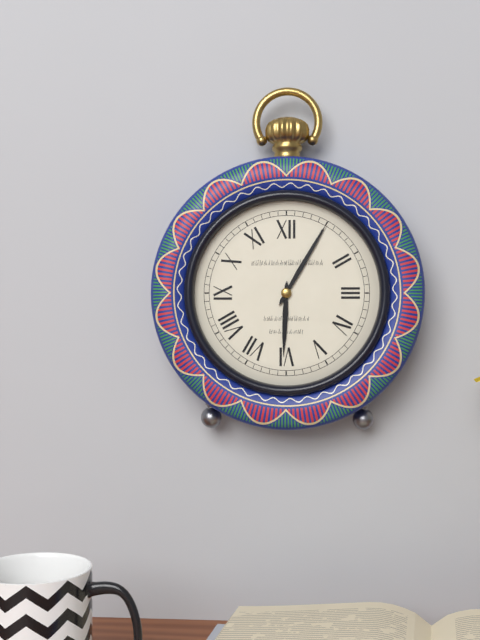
6.05
